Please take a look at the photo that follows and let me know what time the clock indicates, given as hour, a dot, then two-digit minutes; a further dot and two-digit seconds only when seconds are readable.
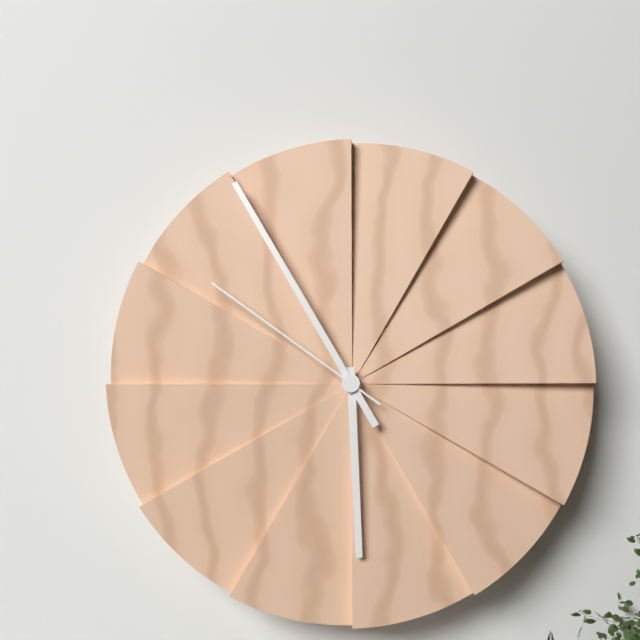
5.55.51
